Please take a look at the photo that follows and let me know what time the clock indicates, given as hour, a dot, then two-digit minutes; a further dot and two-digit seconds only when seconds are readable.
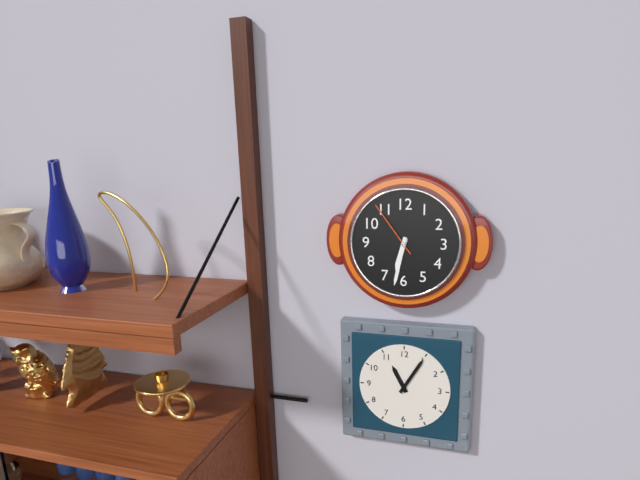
6.32.54
